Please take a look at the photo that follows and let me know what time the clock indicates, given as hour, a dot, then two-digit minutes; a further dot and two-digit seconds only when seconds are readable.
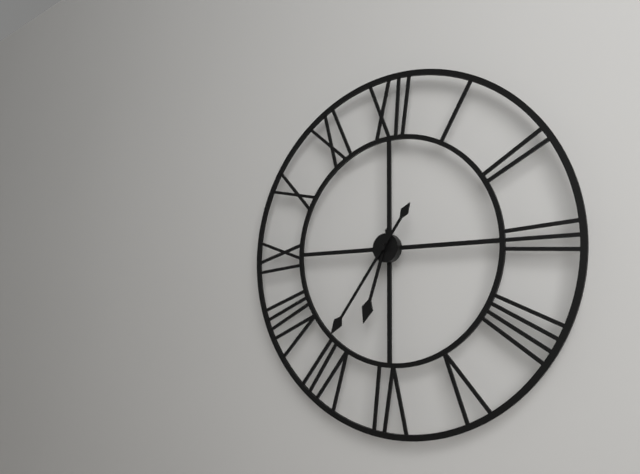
6.36
